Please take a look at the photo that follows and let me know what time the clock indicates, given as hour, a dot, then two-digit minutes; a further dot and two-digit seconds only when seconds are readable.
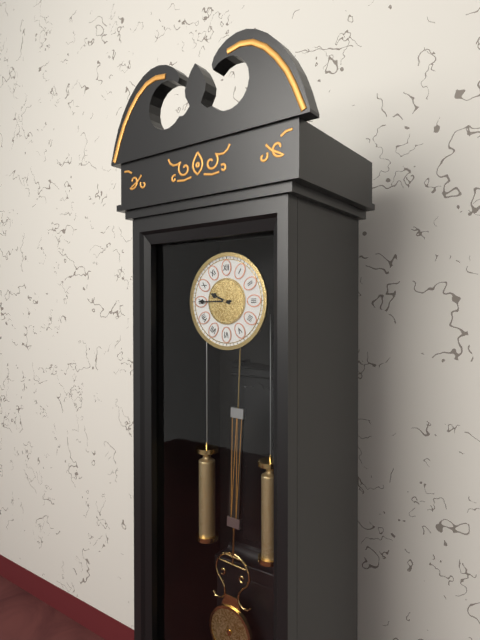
9.45
